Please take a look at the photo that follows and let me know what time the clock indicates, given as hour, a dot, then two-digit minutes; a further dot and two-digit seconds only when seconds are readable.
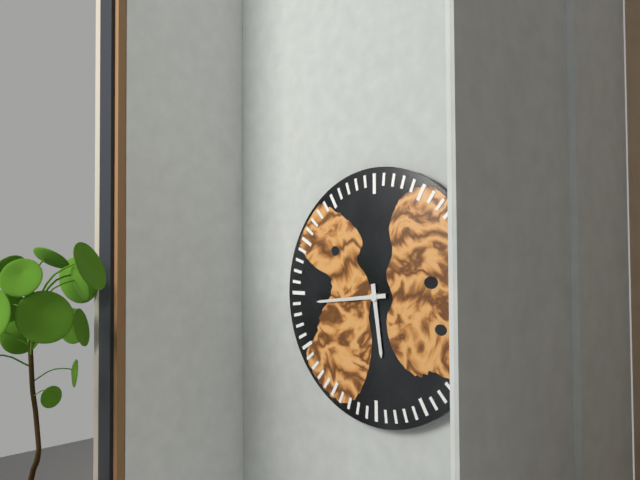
5.44
